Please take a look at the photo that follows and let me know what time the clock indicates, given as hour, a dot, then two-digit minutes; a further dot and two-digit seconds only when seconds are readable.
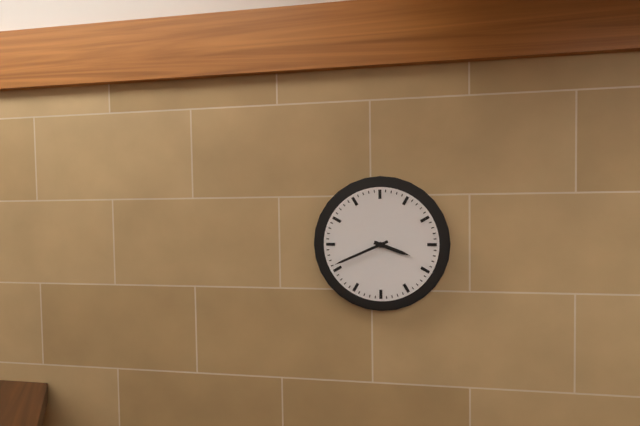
3.41
